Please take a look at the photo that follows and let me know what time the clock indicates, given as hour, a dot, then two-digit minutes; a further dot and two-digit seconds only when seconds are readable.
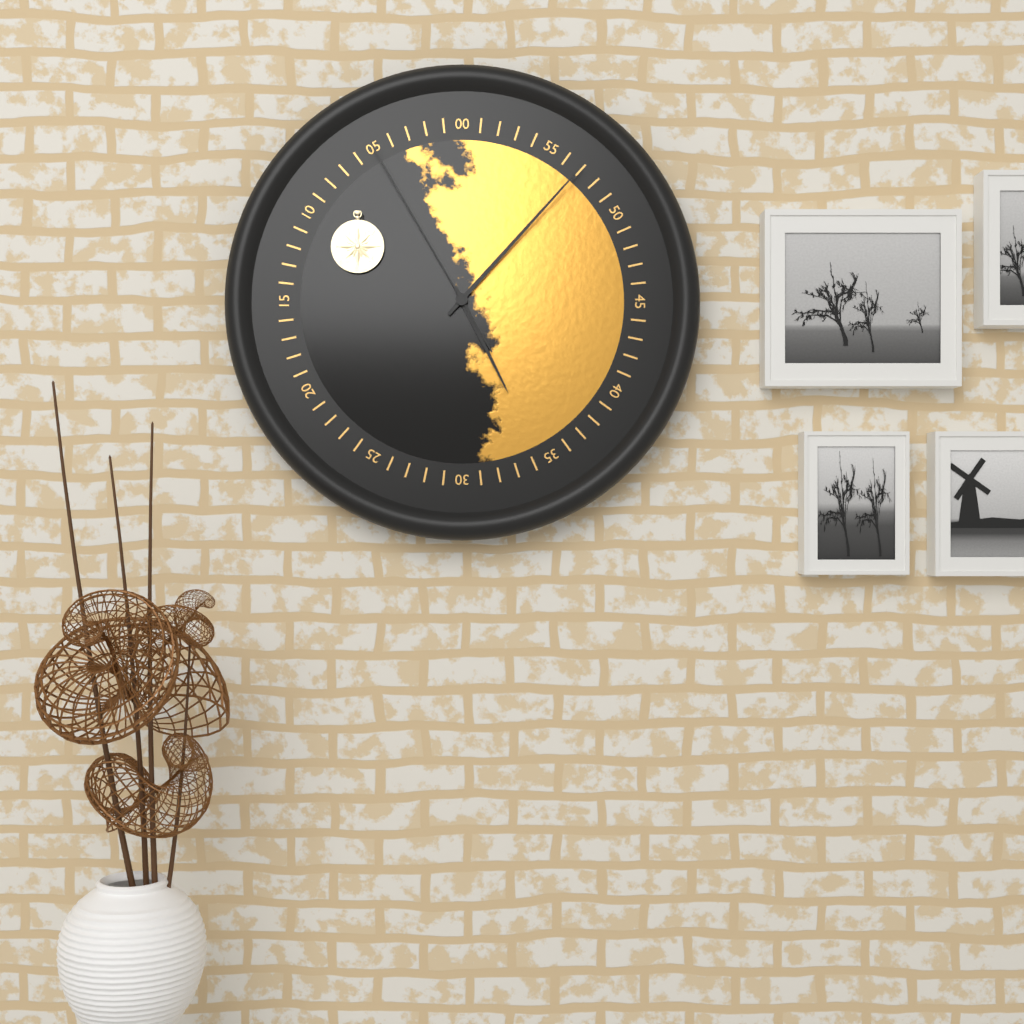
5.07.55
